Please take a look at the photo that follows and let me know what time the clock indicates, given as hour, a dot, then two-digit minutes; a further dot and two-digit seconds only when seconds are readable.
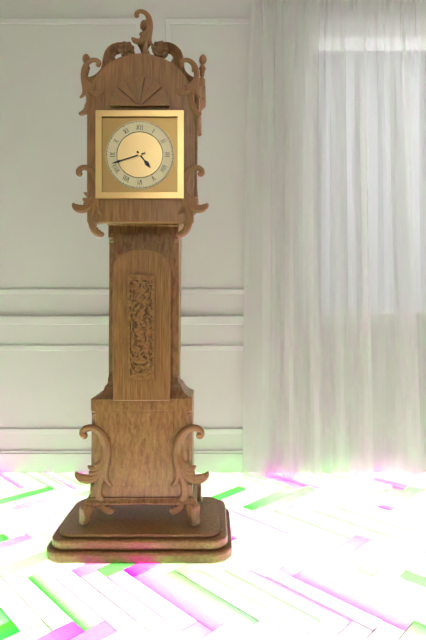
4.42
